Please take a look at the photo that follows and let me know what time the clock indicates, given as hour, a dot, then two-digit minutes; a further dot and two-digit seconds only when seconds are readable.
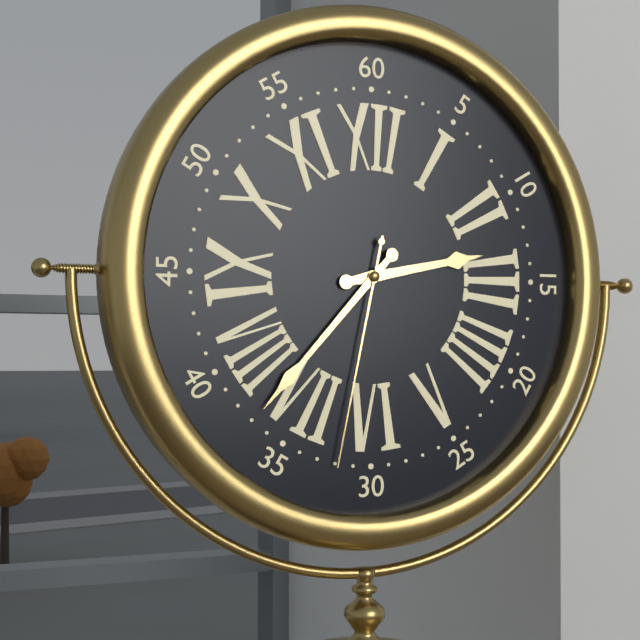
2.37.32
